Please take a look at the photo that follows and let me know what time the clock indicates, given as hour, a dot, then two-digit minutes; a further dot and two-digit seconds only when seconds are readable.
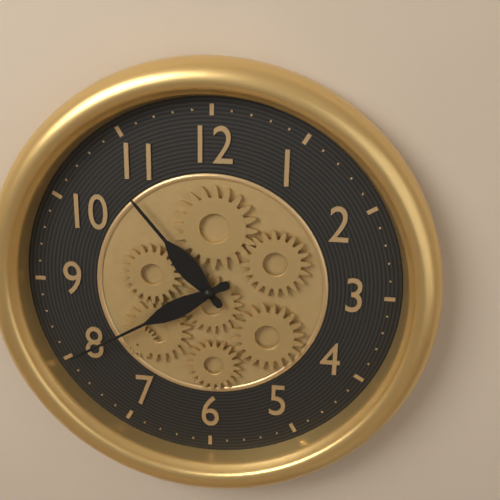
10.40
